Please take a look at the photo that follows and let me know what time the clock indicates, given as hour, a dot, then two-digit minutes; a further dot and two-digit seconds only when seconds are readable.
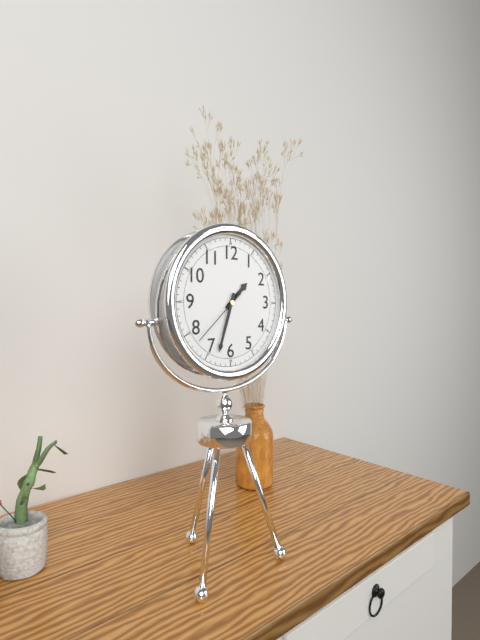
1.33.38
